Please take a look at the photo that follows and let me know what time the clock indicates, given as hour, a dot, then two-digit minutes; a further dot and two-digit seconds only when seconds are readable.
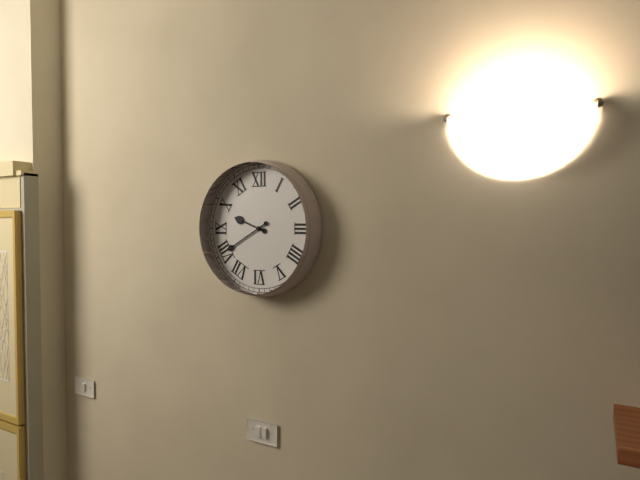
9.40
